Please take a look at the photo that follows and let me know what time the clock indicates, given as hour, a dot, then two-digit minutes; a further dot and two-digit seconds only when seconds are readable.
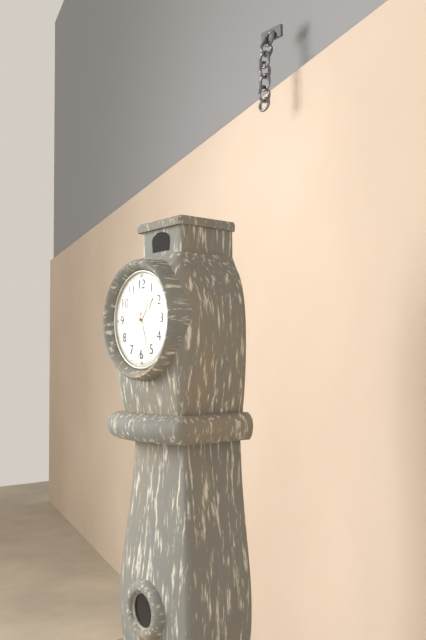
1.27
